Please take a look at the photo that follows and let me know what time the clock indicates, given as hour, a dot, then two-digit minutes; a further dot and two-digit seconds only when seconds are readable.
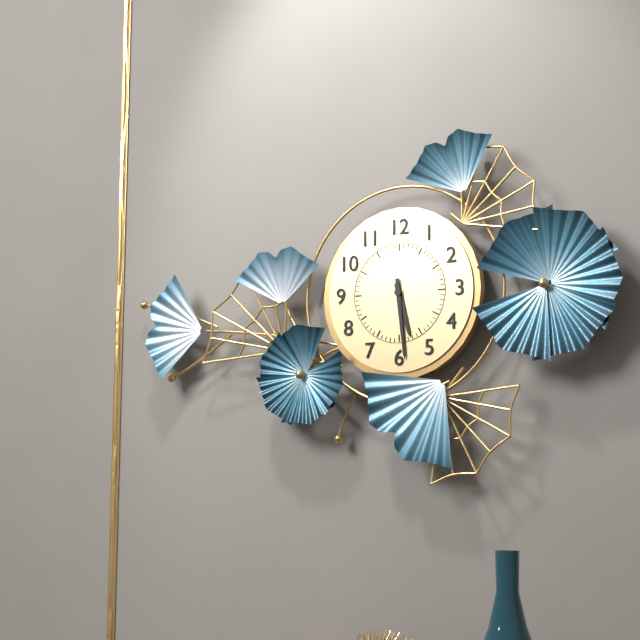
5.29
